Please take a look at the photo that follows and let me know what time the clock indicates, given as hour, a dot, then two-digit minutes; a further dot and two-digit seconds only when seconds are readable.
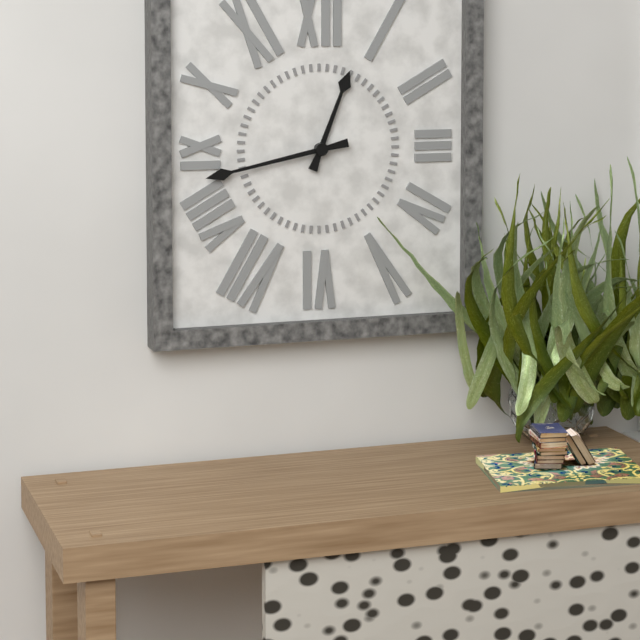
12.43
